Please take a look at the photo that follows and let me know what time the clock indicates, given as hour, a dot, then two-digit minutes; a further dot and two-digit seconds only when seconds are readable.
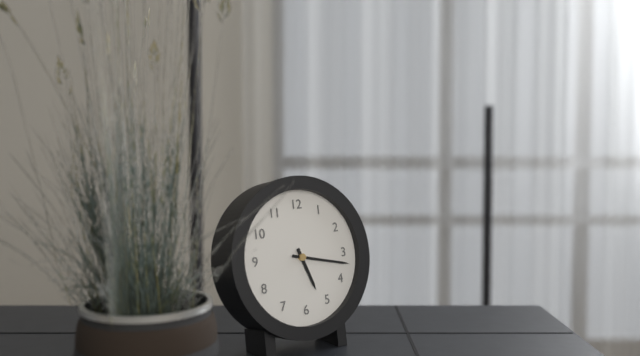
5.17
